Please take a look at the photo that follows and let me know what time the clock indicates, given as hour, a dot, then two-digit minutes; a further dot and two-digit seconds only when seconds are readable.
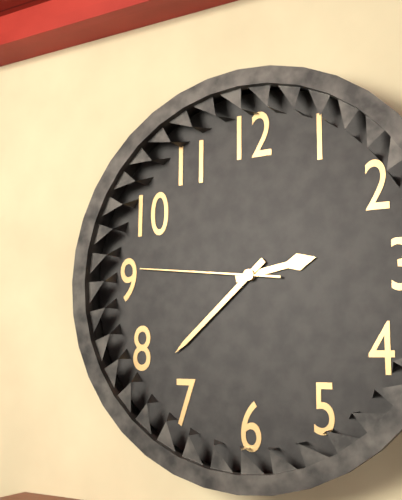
2.38.46
